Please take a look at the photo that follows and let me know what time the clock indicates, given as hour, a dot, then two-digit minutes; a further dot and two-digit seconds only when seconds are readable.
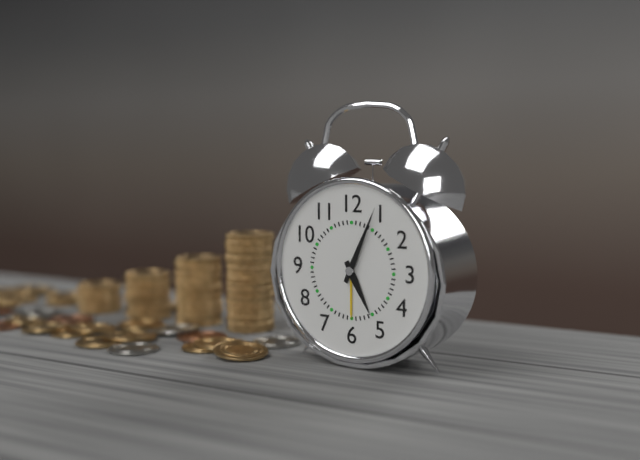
5.04
